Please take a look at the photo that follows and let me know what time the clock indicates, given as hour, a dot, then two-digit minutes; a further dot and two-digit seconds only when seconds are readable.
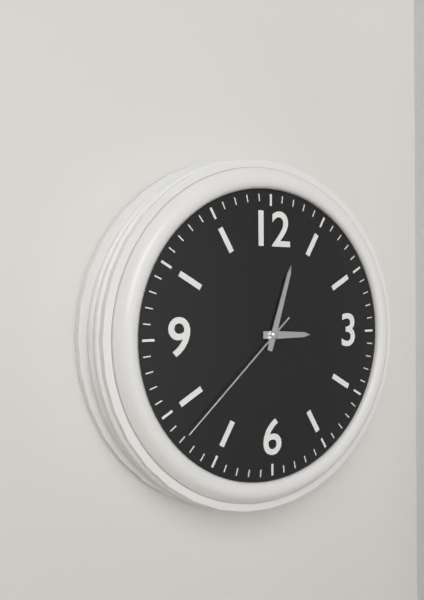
3.03.38
